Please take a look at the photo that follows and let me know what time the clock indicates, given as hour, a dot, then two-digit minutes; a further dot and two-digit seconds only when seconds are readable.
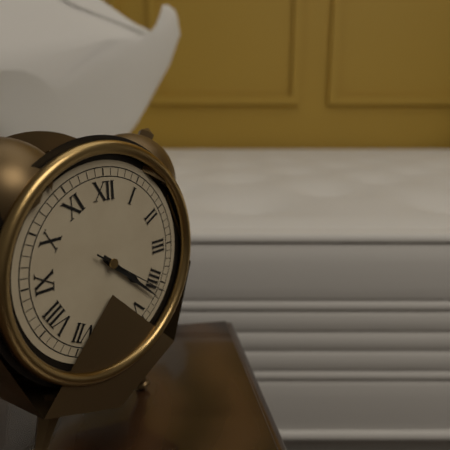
4.22.21
